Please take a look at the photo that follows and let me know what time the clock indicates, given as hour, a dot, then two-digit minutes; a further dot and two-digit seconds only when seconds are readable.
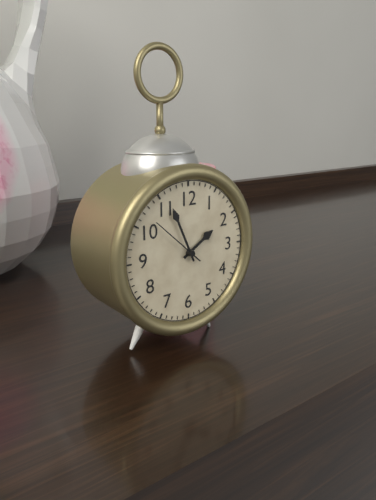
1.56.52
